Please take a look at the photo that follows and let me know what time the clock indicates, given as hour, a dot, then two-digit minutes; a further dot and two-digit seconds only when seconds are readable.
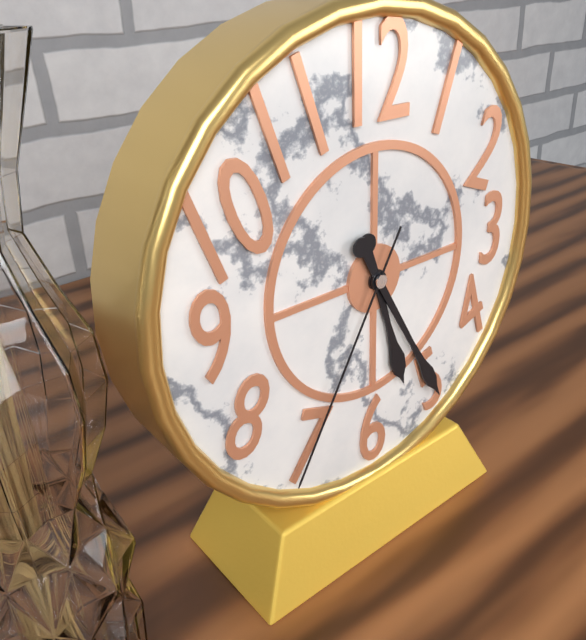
5.25.35
